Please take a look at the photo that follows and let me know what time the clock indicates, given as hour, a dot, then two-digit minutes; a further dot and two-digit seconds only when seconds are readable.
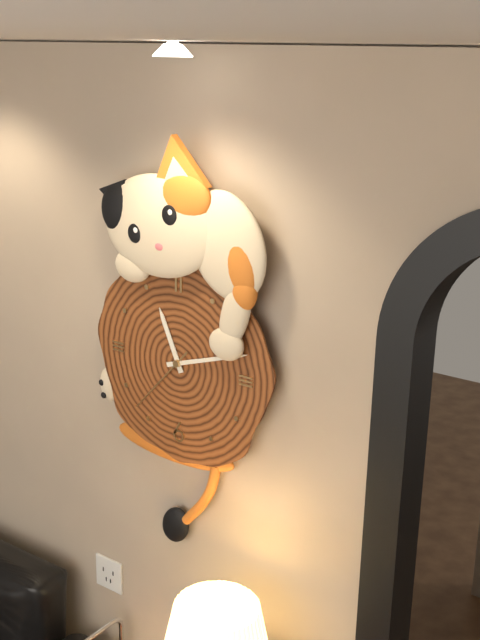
11.12.37
